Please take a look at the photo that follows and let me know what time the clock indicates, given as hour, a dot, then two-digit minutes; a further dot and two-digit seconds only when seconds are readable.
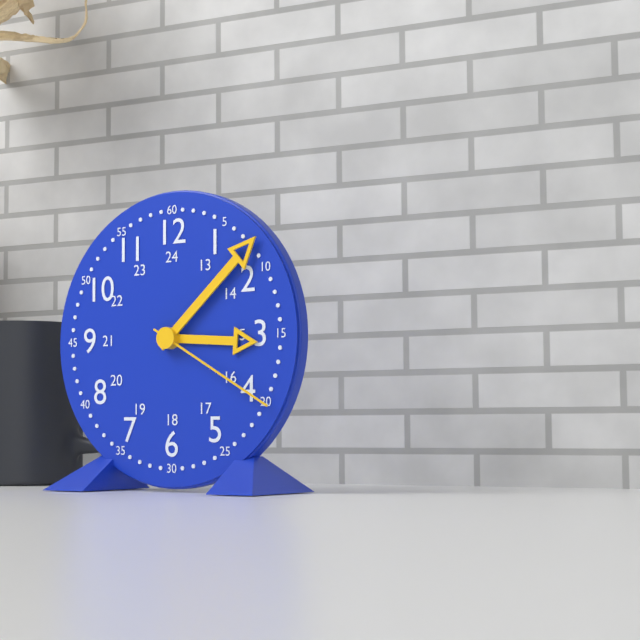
3.08.20
